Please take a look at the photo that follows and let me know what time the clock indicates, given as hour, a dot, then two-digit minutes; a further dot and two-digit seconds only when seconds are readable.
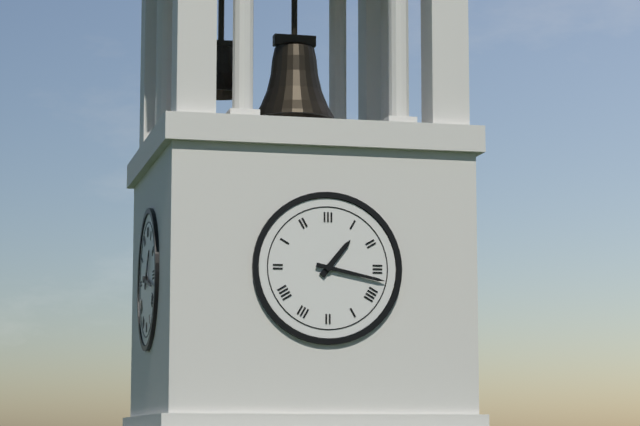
1.17
